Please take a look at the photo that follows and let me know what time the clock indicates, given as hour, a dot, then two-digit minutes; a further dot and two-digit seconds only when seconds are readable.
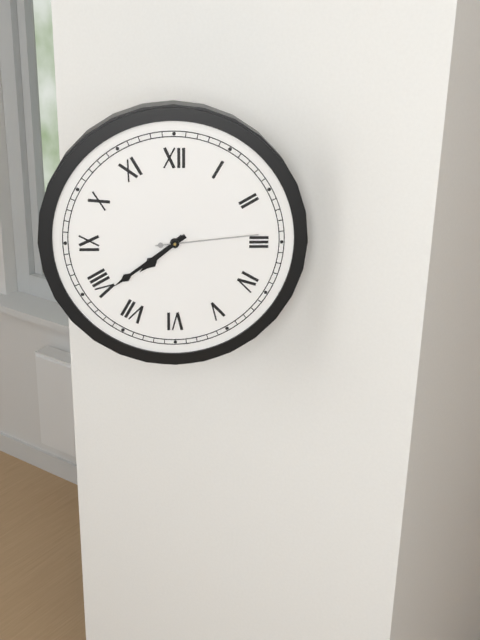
7.39.14
